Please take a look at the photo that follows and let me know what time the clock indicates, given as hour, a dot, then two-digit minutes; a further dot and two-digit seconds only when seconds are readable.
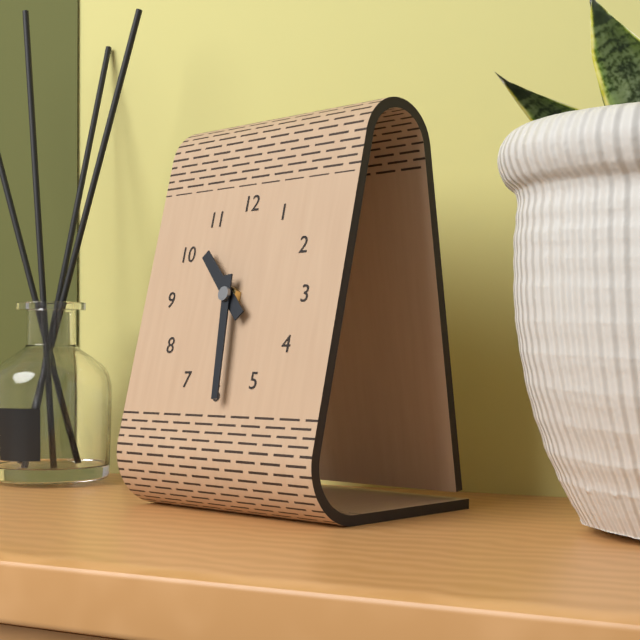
10.29
